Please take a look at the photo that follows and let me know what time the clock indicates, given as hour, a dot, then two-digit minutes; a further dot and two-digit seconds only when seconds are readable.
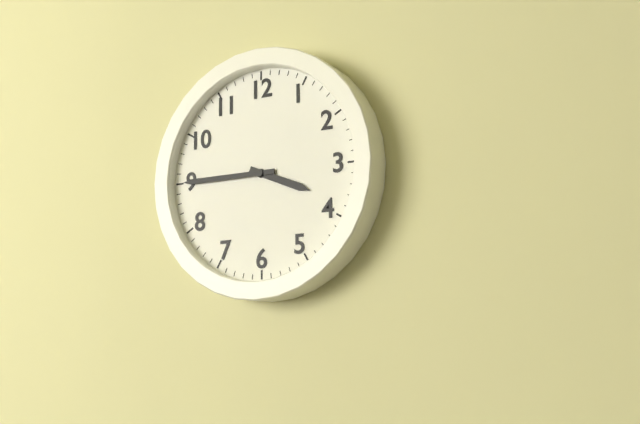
3.45
